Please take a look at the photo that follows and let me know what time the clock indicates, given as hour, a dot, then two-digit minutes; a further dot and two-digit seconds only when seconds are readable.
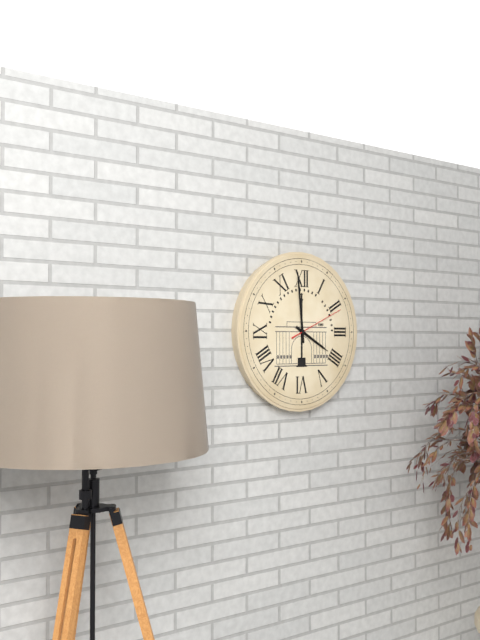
3.59.11
